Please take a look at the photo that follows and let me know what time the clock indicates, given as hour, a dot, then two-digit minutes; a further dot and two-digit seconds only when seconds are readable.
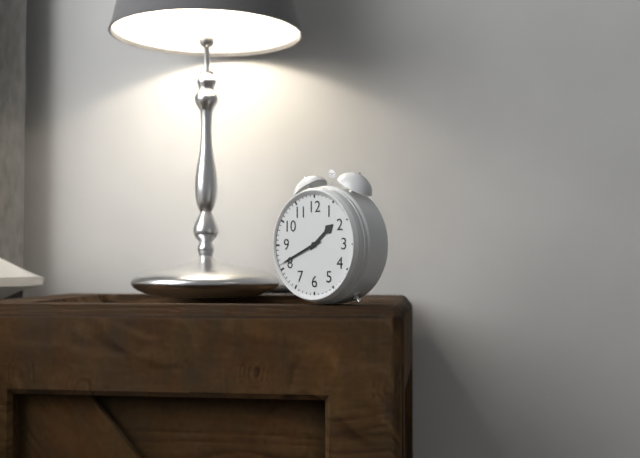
1.41
